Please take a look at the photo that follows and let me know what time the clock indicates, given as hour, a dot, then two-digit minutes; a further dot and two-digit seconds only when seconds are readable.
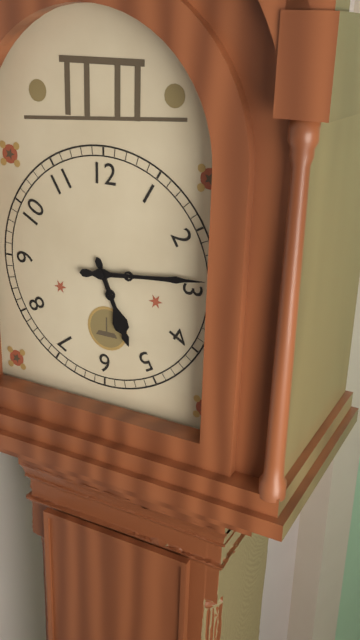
5.14
